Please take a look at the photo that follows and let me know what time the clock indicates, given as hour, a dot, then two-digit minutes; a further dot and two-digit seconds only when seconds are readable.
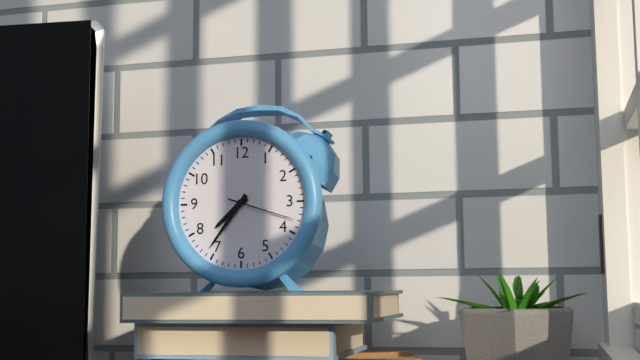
7.36.18
